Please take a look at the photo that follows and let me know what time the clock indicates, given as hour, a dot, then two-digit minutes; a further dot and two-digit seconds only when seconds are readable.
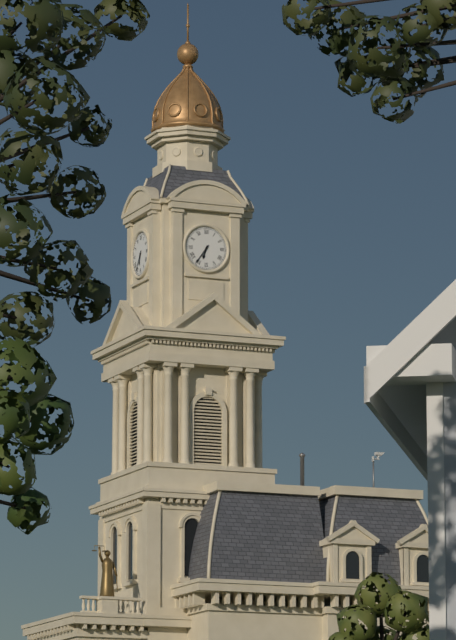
6.36
